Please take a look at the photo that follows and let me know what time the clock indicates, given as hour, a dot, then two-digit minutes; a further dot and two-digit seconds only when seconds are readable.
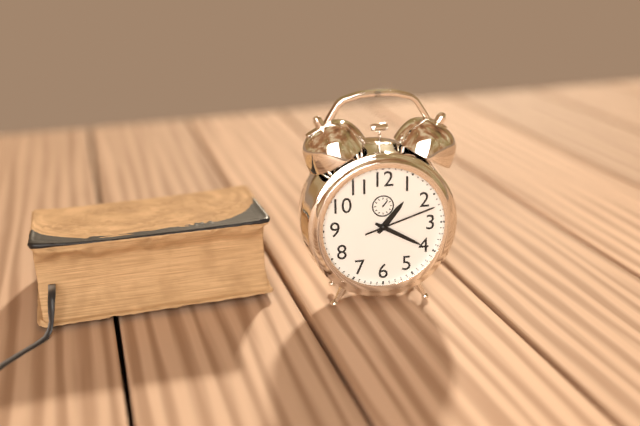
1.20.12
